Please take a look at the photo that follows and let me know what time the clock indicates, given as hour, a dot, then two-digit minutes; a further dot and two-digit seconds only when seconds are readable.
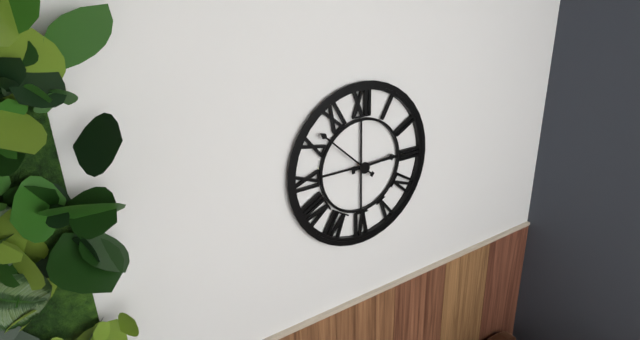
2.52
